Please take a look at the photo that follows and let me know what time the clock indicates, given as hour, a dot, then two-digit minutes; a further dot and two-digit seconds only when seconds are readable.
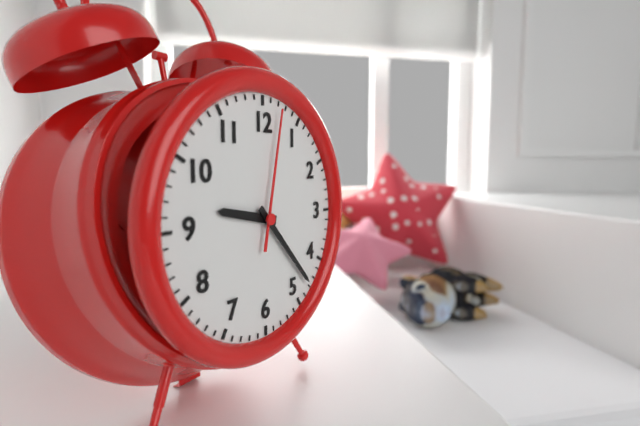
9.23.02
